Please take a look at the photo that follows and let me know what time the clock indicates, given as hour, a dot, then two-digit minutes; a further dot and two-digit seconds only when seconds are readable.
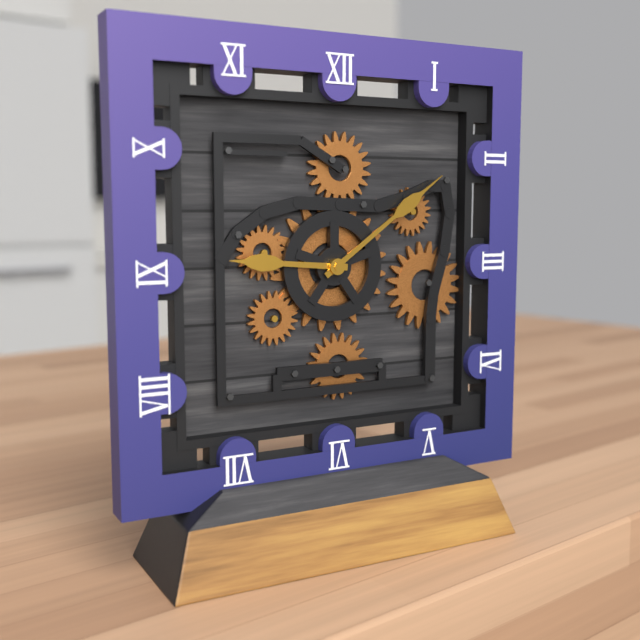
9.09
